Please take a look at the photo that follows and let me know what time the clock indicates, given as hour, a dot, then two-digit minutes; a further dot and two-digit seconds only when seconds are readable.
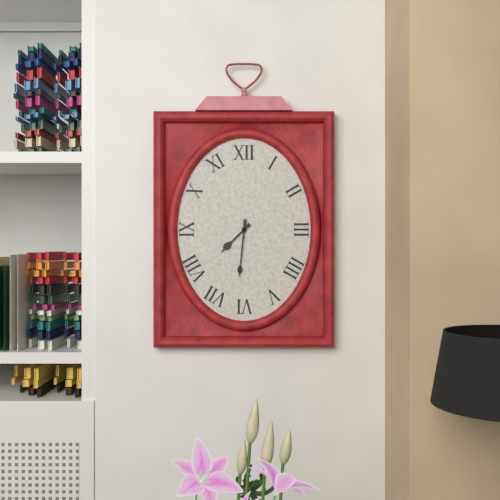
7.31
